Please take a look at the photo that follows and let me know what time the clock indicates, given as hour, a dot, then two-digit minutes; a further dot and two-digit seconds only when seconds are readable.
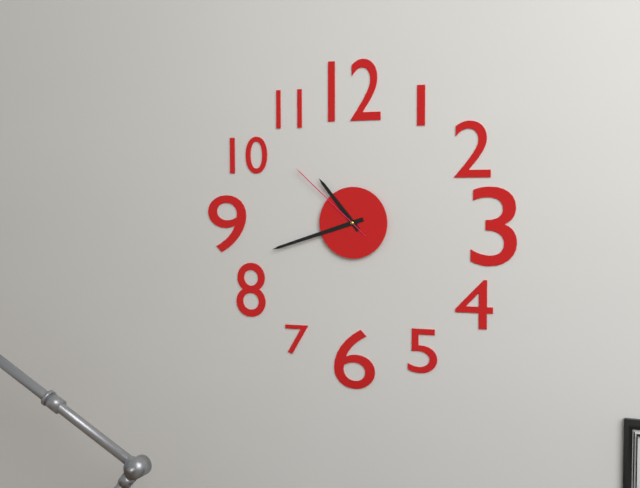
10.42.52
